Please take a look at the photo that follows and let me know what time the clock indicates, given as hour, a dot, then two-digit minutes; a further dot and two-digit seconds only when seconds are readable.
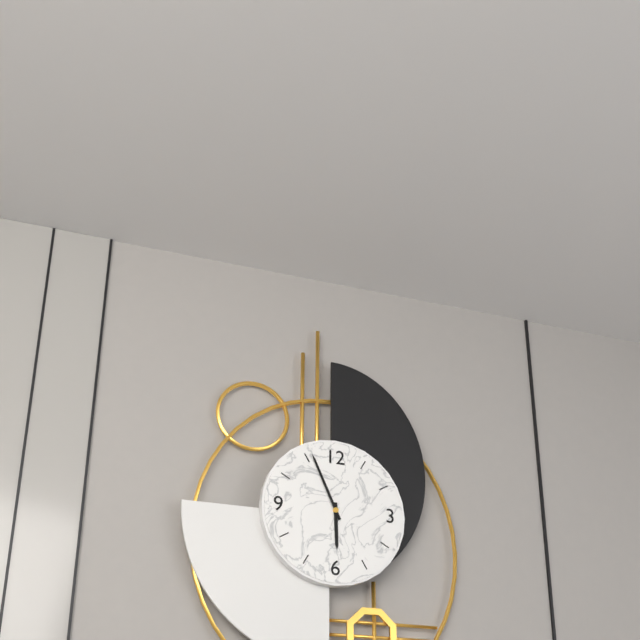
5.56
